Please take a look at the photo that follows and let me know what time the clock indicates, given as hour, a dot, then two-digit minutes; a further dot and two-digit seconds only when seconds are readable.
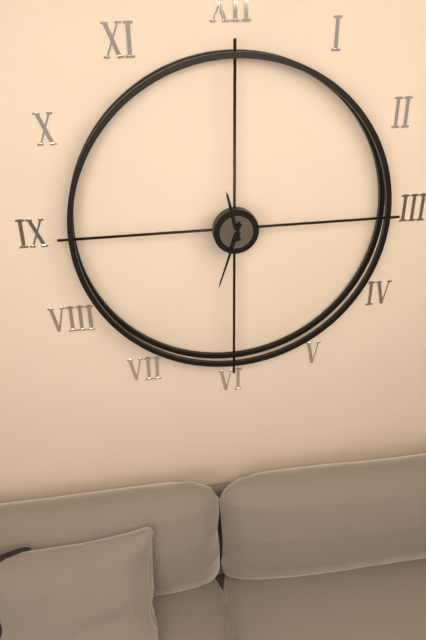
11.33
